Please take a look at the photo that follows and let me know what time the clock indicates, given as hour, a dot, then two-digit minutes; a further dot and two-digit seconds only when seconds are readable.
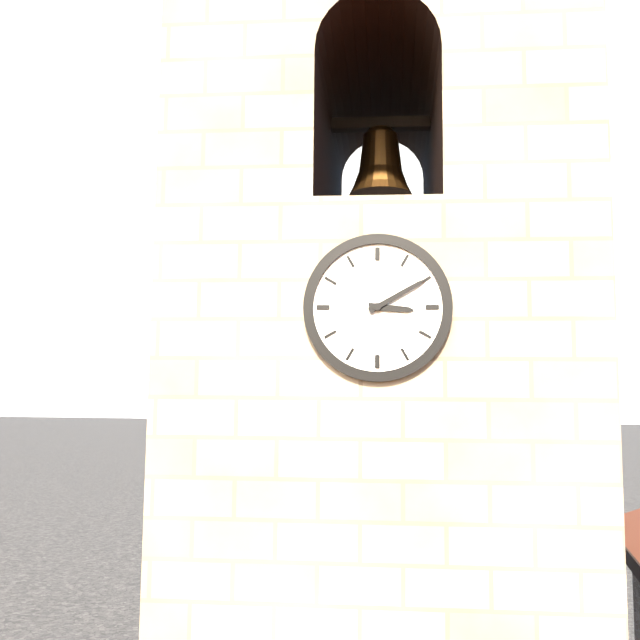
3.10
